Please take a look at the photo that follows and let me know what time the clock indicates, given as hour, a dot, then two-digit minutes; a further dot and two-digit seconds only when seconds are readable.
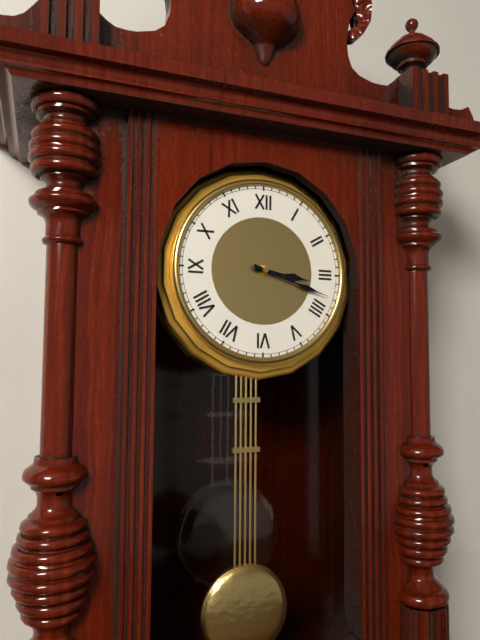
3.18
